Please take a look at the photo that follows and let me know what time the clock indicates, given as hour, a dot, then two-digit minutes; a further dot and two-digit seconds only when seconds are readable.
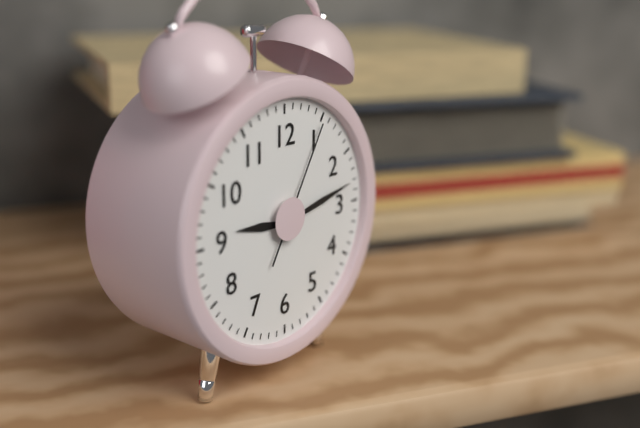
9.13.05
